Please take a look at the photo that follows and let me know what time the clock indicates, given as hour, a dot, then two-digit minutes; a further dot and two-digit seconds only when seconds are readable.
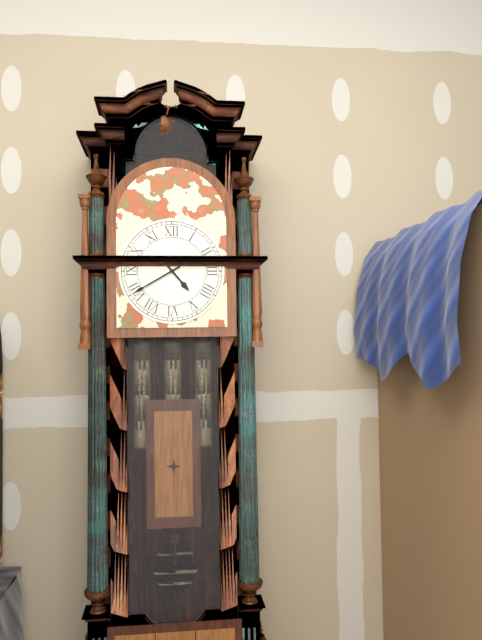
4.40
